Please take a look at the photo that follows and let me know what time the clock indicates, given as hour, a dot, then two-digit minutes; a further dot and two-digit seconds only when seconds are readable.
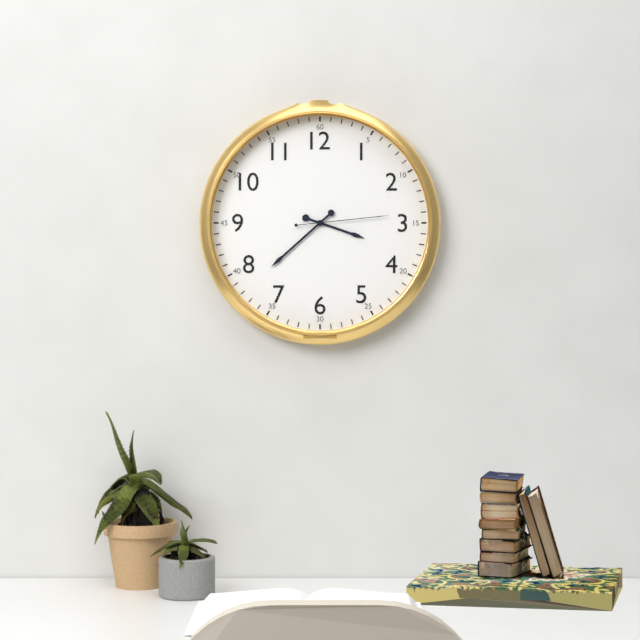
3.38.14
